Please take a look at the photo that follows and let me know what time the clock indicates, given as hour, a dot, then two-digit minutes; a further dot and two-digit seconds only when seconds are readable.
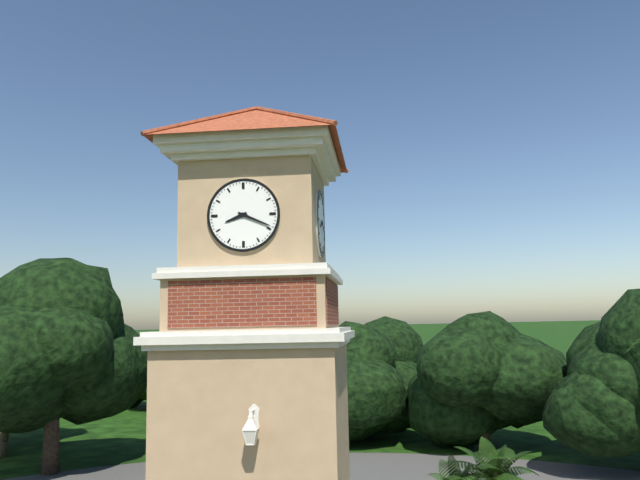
8.19
